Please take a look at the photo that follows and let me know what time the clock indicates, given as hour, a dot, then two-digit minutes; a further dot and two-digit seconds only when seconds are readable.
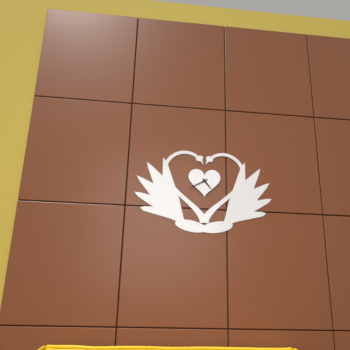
4.40
